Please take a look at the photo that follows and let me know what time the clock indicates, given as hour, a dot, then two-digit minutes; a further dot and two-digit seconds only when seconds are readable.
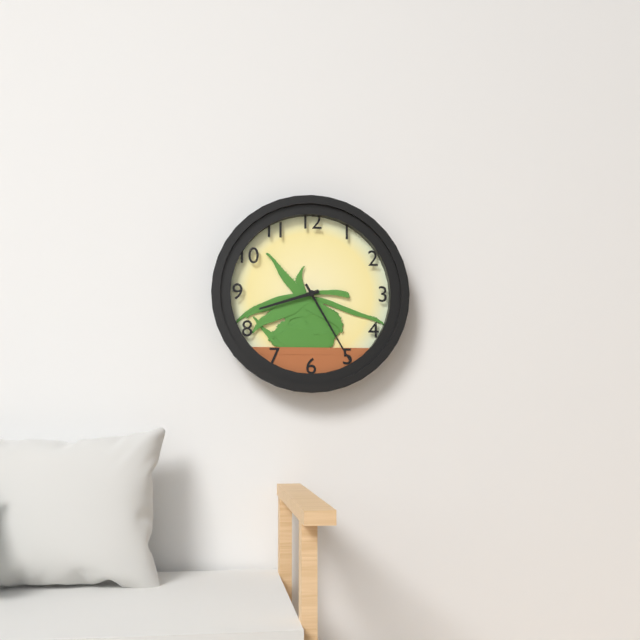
8.25
